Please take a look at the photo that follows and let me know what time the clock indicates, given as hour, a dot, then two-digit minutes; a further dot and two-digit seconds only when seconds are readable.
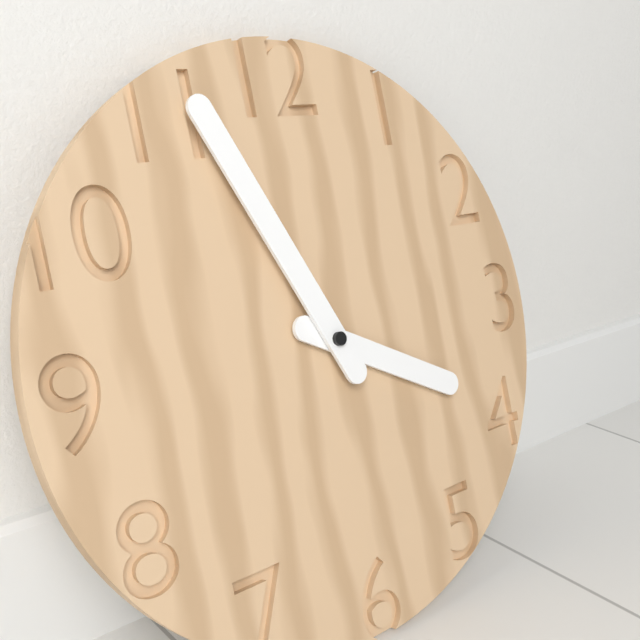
3.56
